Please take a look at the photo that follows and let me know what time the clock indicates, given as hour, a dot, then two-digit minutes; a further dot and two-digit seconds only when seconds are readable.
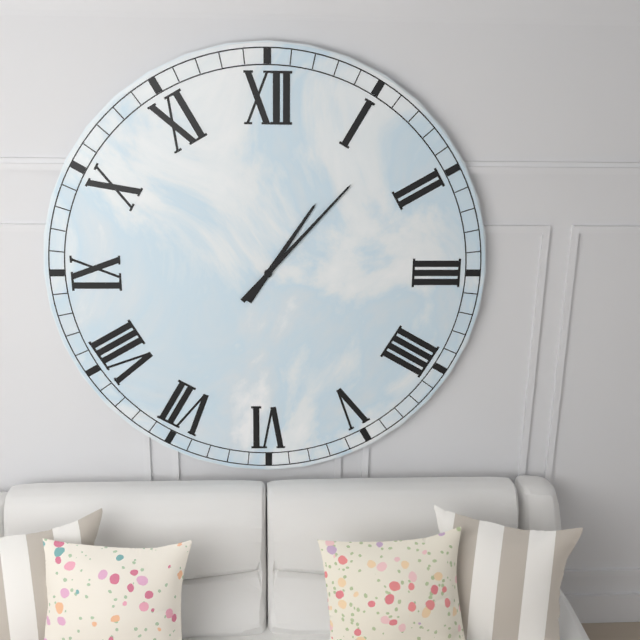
1.07
